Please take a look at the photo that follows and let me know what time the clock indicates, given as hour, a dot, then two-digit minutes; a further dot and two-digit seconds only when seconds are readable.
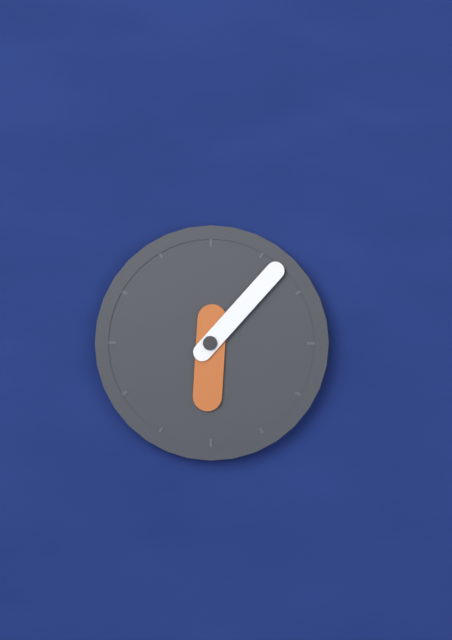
6.07
